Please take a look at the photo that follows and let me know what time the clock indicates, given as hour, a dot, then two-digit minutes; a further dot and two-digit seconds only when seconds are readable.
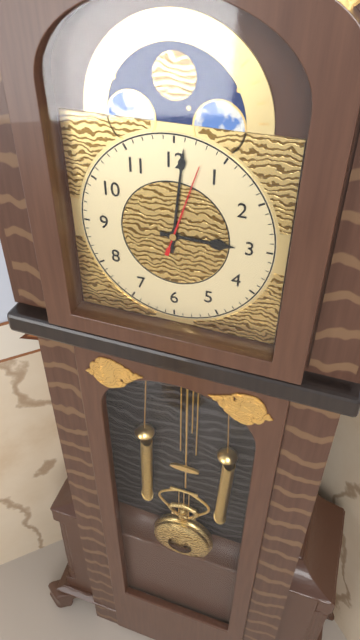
3.01.03
